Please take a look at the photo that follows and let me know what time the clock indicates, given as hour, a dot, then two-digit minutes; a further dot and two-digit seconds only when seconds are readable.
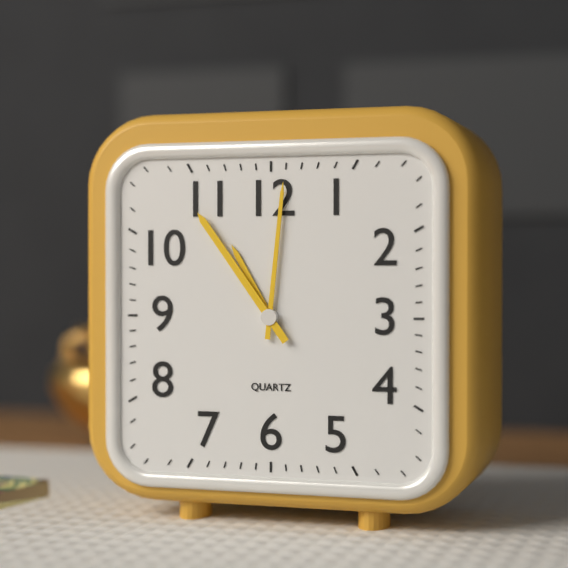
11.01.54
